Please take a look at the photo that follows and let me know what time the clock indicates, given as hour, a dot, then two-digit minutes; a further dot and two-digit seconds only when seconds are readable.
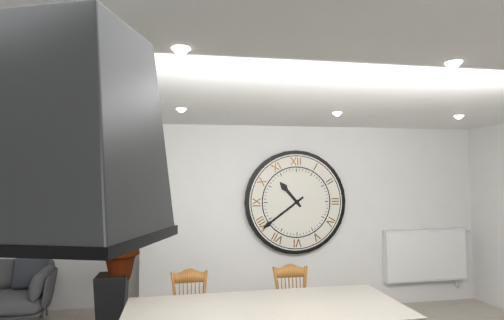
10.39
